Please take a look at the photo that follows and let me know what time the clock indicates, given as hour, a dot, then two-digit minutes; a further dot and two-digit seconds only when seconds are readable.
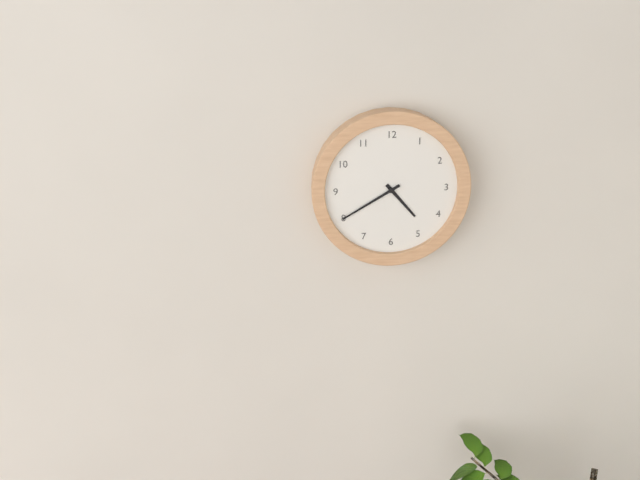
4.40
